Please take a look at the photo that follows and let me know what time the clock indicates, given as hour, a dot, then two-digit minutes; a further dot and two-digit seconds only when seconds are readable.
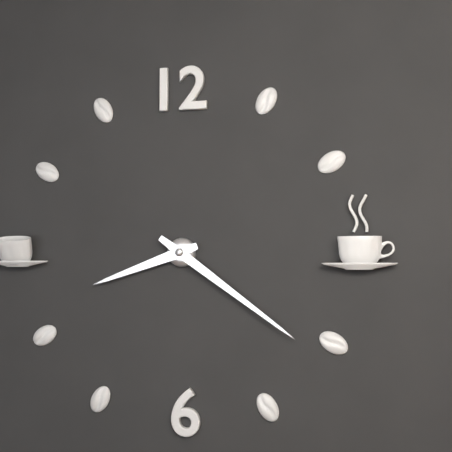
8.21
